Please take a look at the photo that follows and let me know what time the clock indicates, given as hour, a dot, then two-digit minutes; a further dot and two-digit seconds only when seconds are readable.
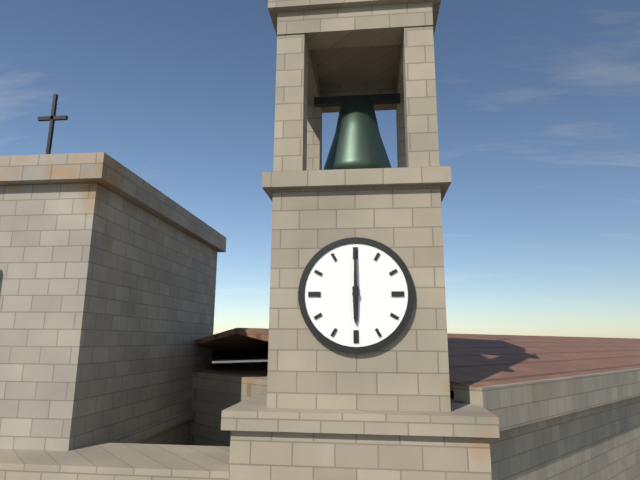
6.00
